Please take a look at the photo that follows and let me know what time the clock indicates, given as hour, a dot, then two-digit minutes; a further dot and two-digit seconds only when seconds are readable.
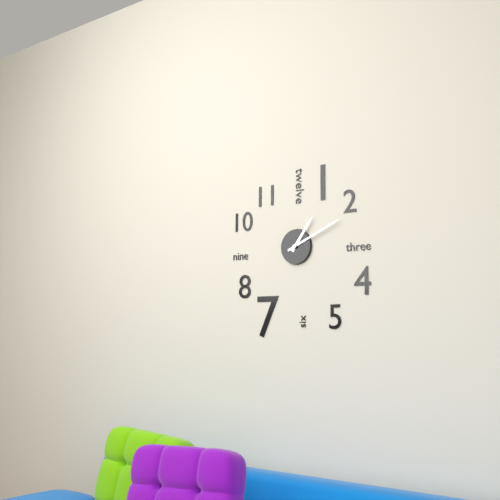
1.11
